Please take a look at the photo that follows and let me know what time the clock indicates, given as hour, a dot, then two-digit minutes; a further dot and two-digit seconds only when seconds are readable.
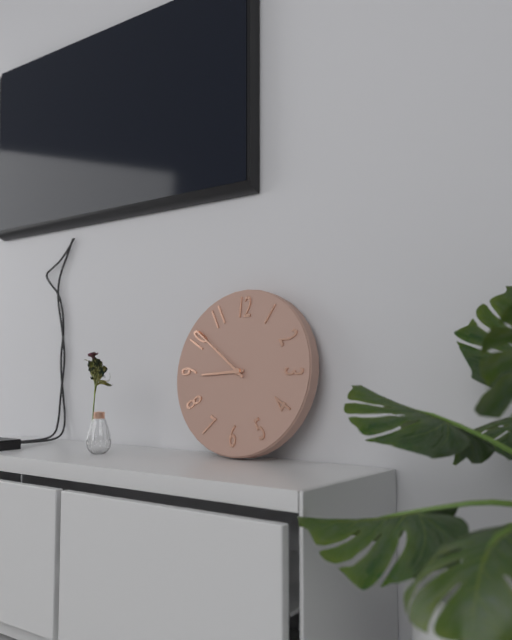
8.51
